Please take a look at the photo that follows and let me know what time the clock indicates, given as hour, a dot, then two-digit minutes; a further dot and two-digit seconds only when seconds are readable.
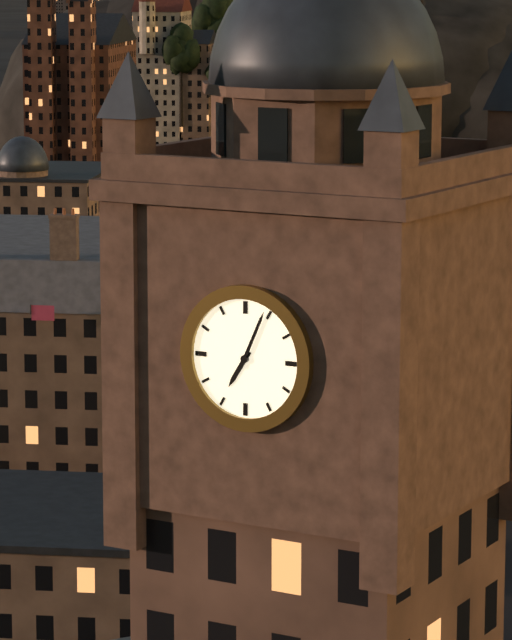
7.04
